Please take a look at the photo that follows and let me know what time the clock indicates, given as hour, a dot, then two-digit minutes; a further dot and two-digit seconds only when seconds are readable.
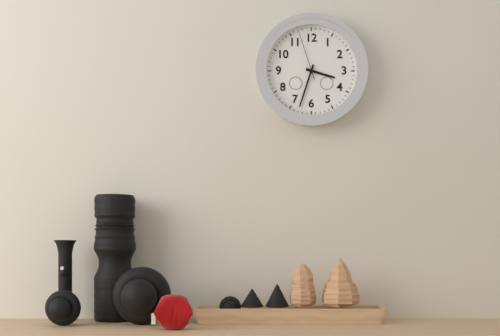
3.33.57
